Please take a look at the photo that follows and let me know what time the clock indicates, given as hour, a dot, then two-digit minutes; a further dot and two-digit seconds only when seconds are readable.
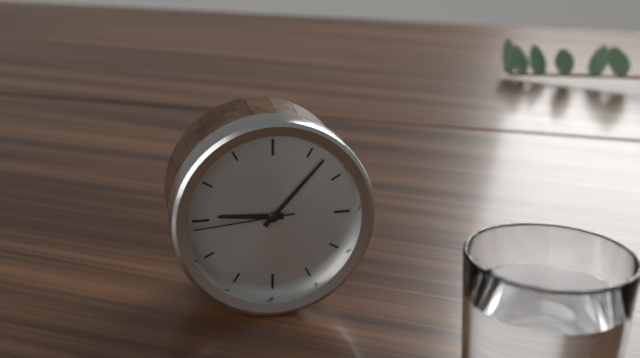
9.07.44
